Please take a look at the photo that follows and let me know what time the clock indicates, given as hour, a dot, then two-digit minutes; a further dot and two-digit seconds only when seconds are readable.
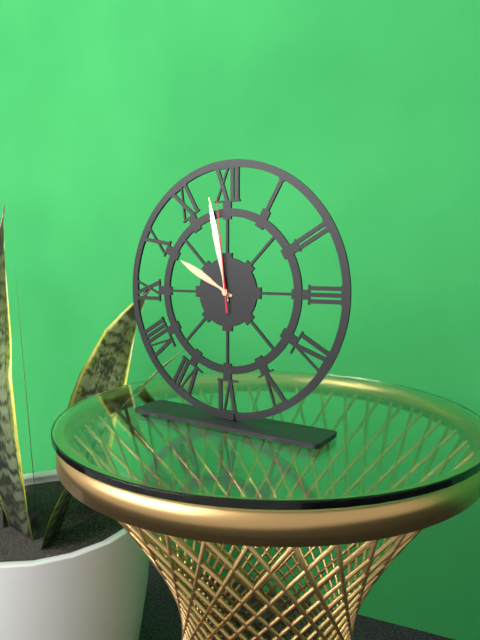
9.58.59
